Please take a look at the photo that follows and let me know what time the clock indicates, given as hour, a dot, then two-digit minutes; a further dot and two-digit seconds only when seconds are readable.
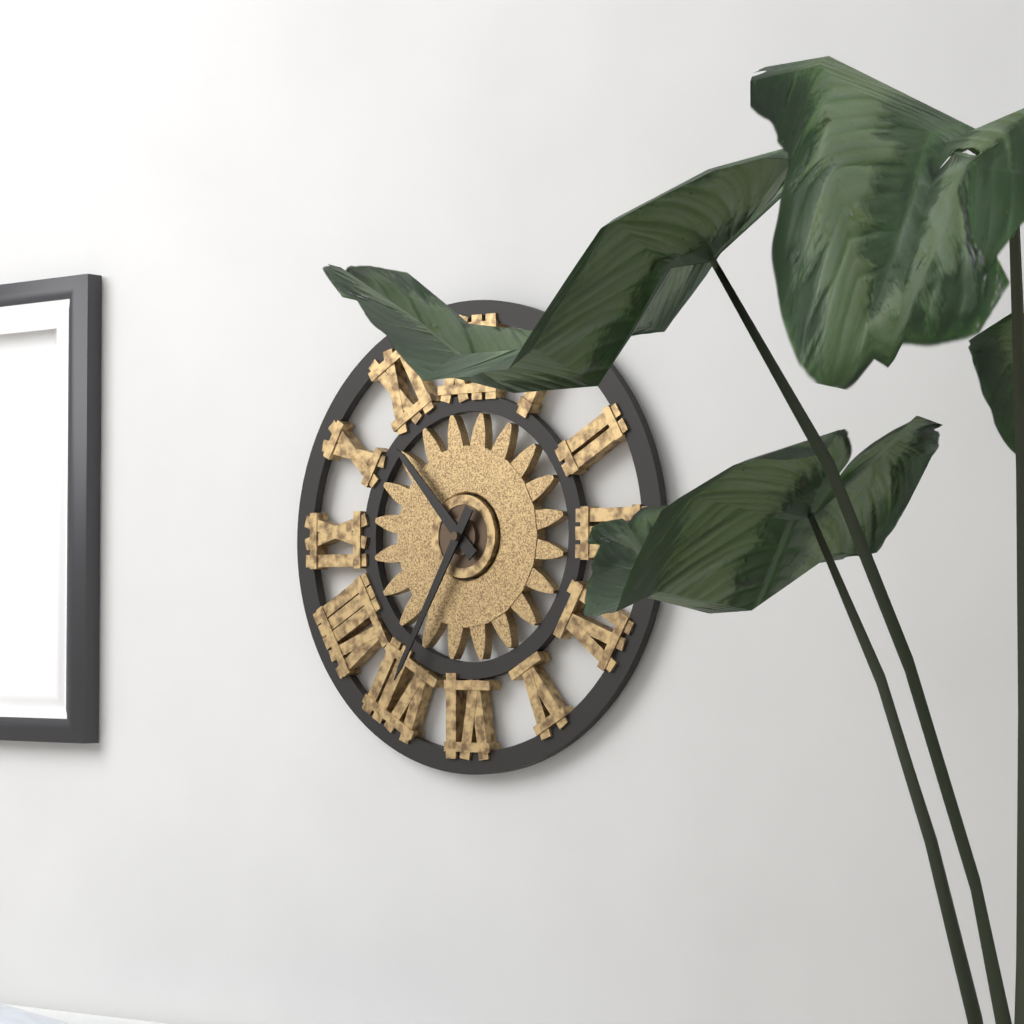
10.35
